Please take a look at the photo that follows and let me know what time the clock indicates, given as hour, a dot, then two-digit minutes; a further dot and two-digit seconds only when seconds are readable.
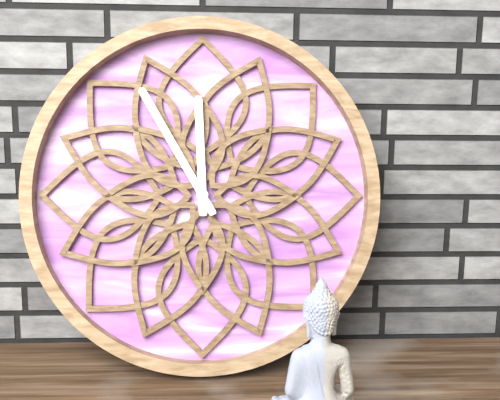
11.55
